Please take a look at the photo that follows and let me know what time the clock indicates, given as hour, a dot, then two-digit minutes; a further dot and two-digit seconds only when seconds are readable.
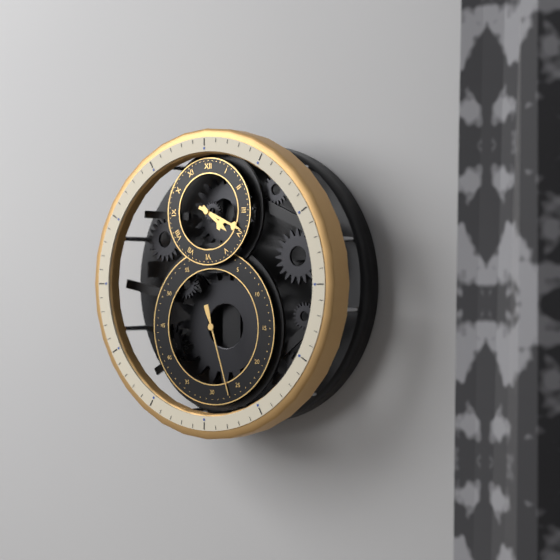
4.19.27
